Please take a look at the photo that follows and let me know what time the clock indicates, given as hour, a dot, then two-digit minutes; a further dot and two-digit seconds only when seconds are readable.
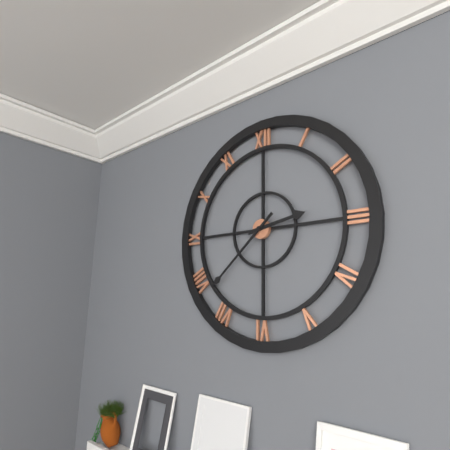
2.38
